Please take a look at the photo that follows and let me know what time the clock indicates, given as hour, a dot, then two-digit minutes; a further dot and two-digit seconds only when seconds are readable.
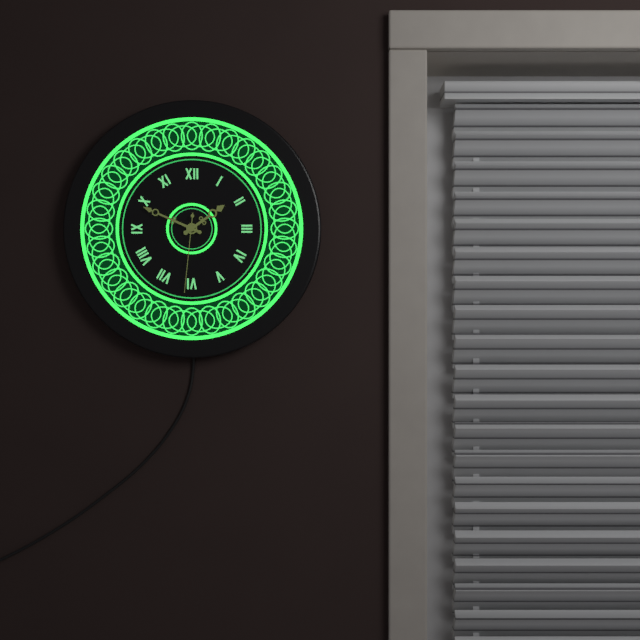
1.49.31
